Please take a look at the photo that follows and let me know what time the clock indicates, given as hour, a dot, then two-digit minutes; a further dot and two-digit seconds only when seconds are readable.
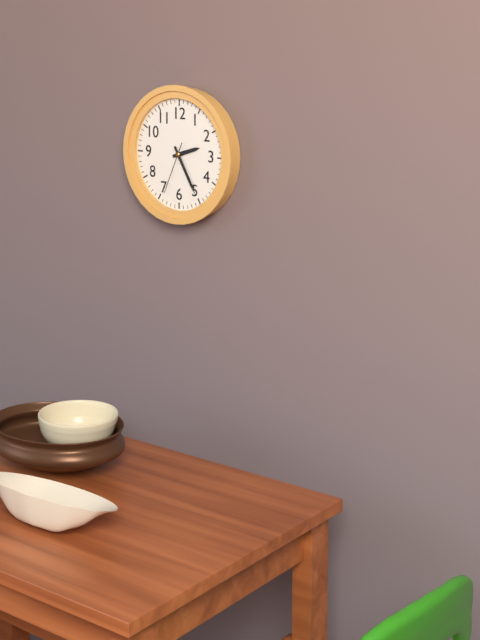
2.25.34
